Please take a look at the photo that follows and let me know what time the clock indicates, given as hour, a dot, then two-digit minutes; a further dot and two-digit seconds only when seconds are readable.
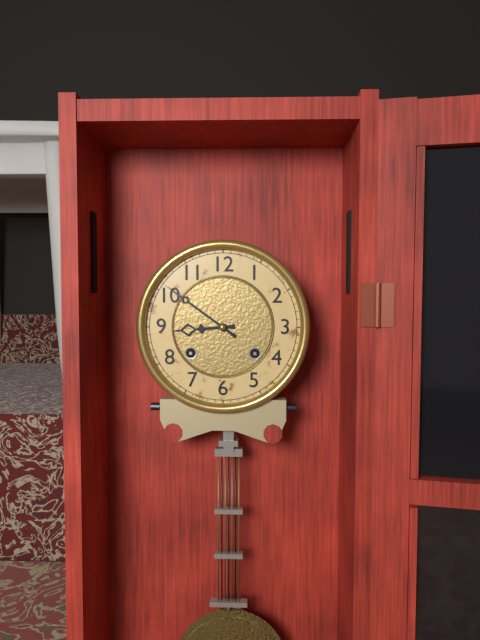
8.51
